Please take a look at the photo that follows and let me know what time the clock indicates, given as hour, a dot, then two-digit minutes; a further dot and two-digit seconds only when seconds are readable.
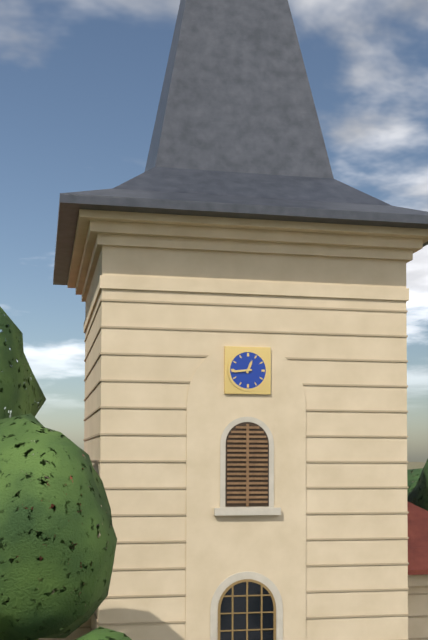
12.44
